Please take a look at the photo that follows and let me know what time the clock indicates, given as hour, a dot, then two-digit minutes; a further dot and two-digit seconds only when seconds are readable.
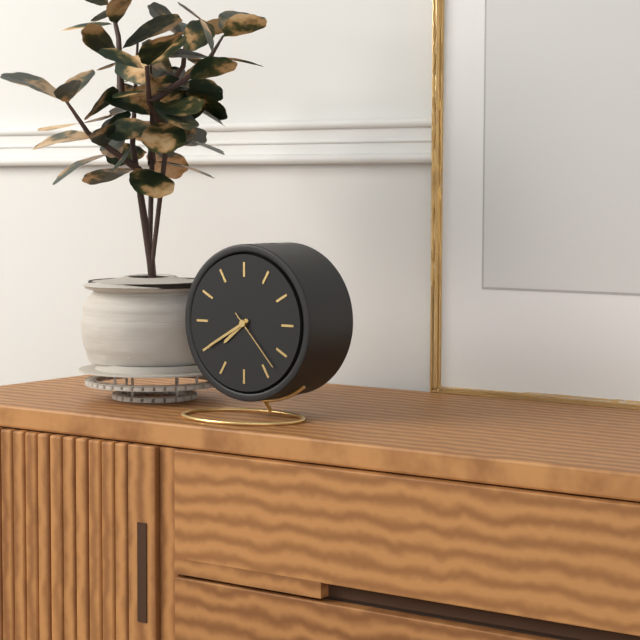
7.40.23
